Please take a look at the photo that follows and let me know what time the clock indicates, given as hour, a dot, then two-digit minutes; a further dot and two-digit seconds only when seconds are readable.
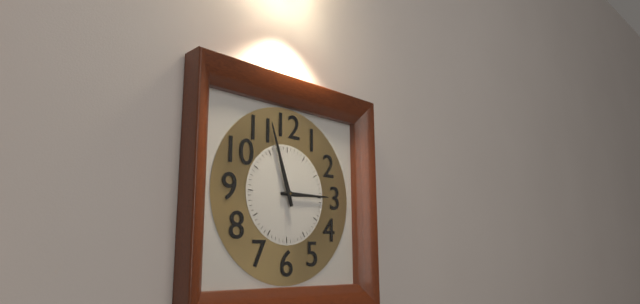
2.57
